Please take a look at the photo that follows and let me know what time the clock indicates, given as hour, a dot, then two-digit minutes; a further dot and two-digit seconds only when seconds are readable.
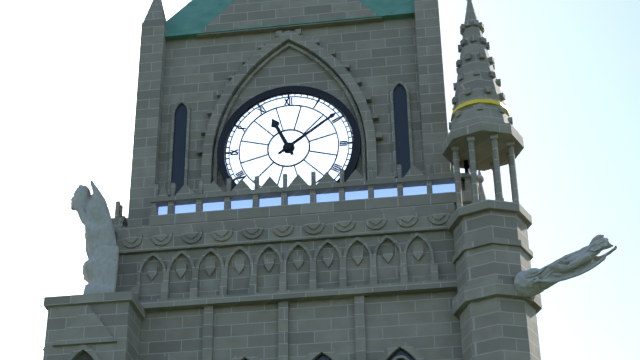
11.09
